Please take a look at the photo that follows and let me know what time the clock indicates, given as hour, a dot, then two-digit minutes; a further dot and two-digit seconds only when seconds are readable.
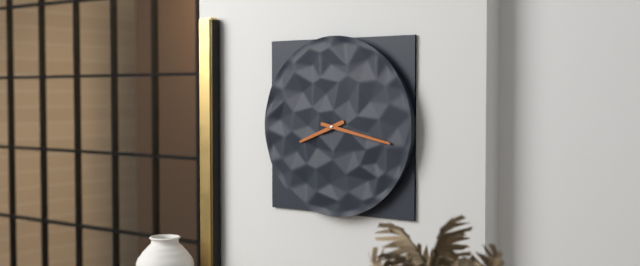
8.17
